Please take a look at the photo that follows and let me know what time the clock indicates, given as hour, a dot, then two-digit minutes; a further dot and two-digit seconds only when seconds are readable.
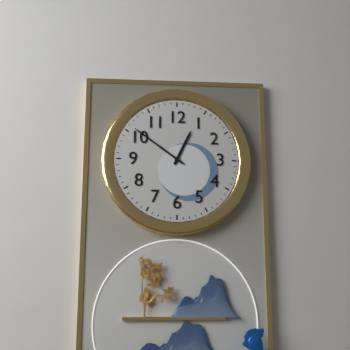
12.51
